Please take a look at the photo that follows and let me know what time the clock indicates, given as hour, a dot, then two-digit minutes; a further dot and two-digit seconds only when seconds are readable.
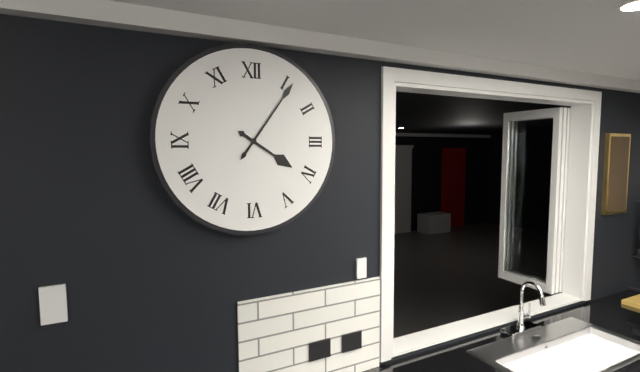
4.06
